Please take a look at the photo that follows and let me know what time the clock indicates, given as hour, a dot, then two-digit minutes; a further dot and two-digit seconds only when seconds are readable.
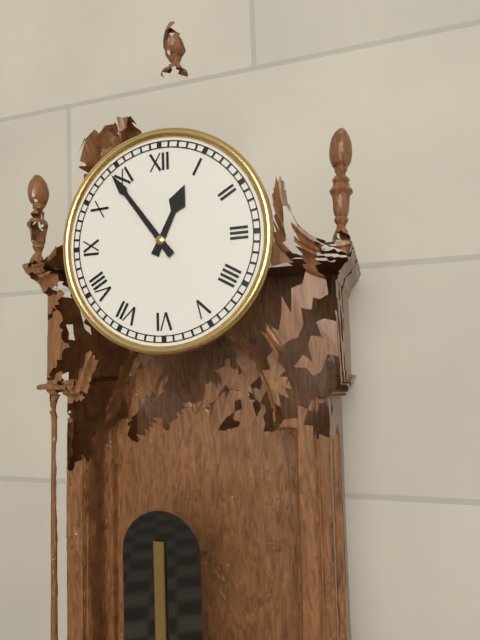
12.54
